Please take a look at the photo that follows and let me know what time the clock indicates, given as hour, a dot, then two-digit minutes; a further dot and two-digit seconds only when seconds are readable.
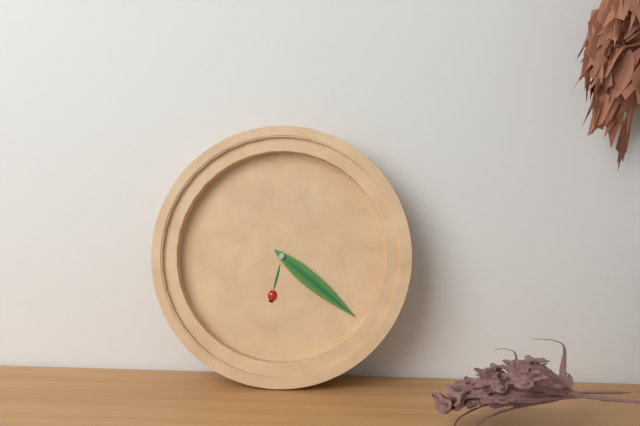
6.21
